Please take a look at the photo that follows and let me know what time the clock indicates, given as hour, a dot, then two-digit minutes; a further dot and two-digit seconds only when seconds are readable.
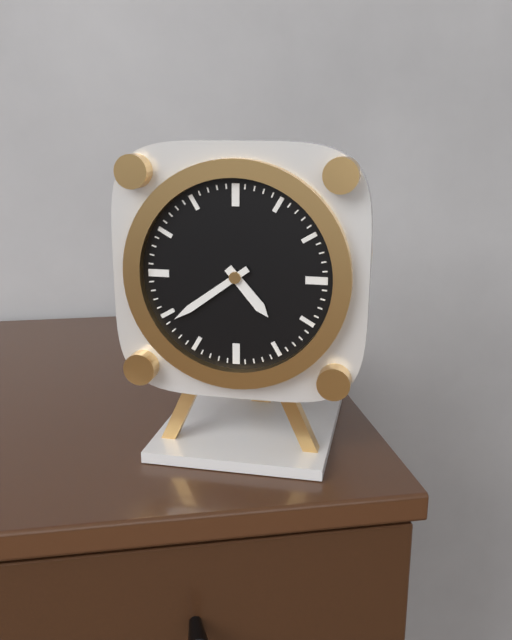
4.39
